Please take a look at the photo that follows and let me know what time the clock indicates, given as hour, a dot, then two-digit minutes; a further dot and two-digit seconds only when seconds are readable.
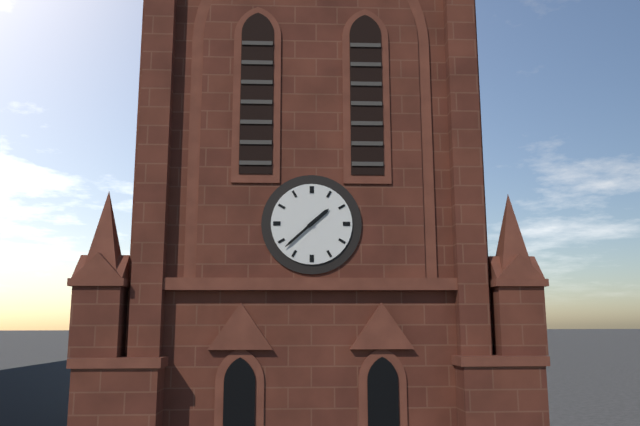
1.38
